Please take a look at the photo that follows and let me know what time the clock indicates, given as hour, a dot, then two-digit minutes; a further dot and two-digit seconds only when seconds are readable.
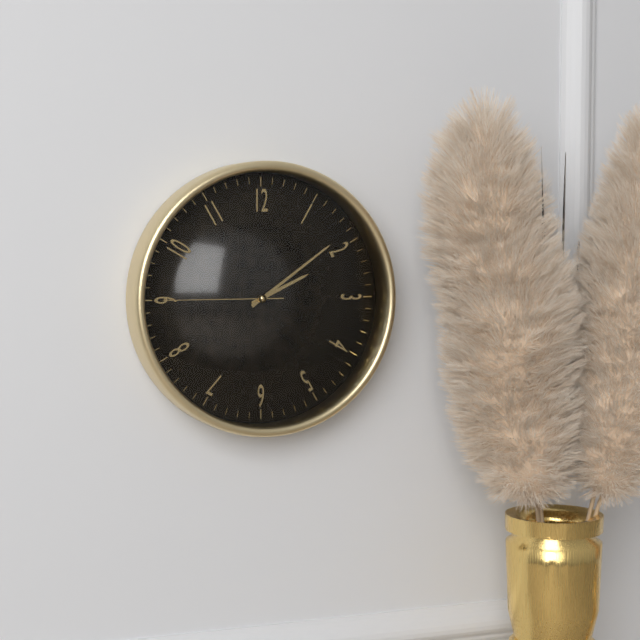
2.09.45
